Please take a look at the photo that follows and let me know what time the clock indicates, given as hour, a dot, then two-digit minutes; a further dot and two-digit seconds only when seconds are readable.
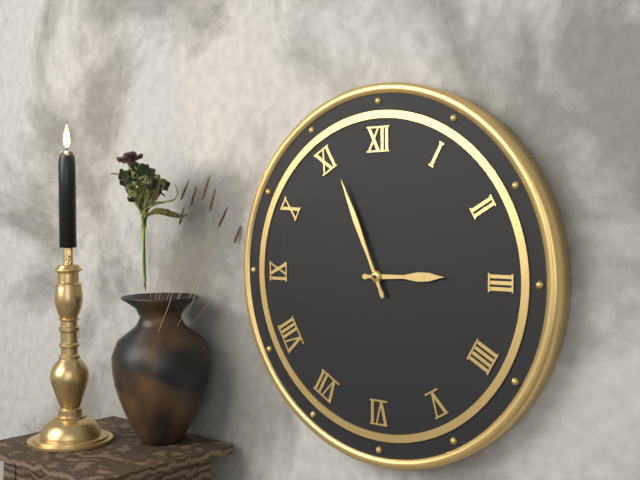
2.56
